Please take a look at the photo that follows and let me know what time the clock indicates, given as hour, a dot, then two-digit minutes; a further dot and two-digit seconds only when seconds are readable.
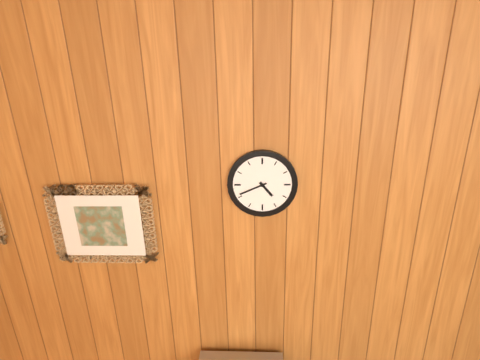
4.41
